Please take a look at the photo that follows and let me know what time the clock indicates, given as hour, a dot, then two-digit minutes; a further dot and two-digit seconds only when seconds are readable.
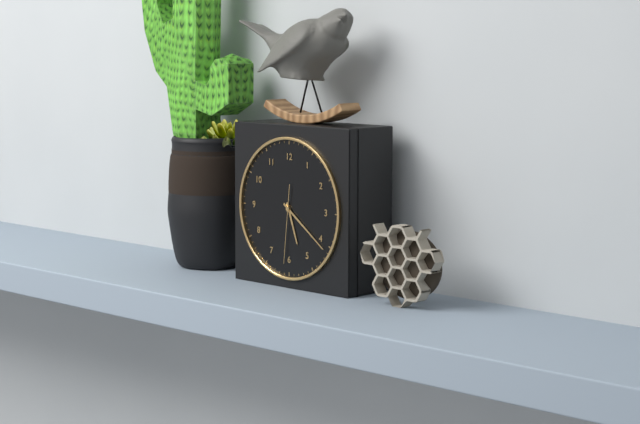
5.21.31
